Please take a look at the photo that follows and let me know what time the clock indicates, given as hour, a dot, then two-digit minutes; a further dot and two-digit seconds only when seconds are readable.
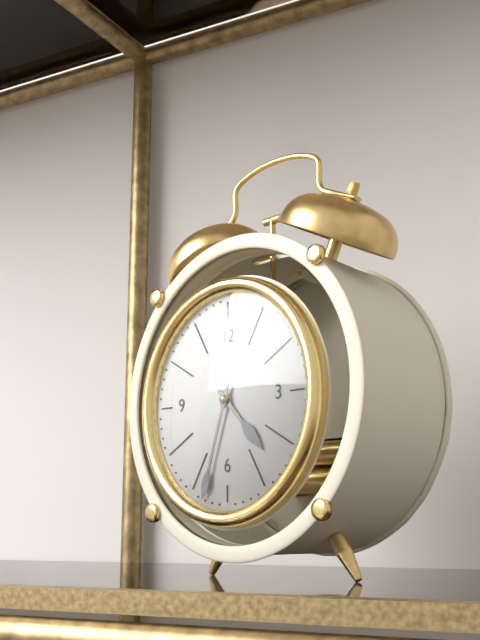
4.33
